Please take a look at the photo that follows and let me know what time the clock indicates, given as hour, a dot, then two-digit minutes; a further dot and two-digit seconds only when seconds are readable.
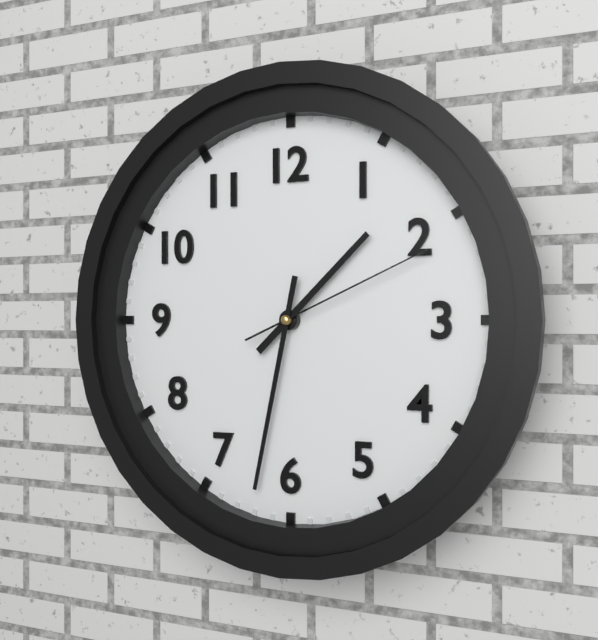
1.32.11
